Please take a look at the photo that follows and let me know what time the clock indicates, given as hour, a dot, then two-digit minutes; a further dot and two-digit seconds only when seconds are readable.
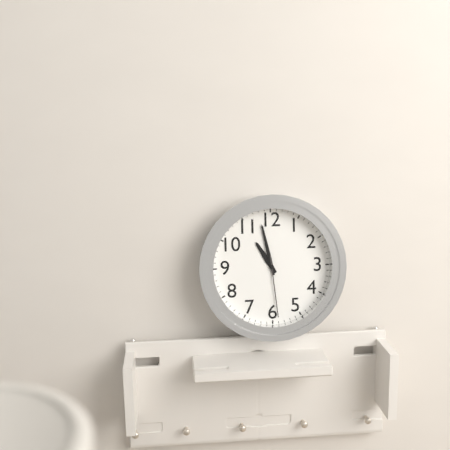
10.58.29
